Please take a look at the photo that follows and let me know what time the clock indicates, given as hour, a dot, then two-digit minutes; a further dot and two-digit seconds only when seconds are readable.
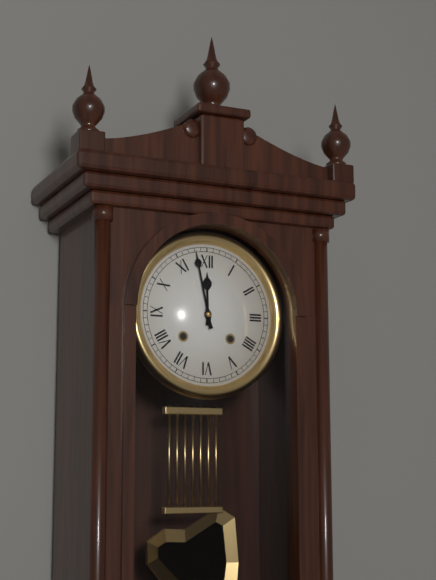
11.58
